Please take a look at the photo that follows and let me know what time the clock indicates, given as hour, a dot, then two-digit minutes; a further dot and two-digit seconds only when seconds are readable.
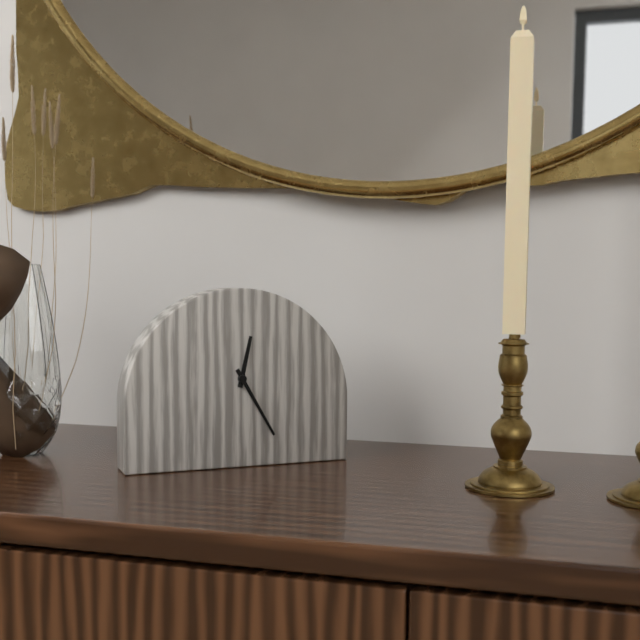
12.25
